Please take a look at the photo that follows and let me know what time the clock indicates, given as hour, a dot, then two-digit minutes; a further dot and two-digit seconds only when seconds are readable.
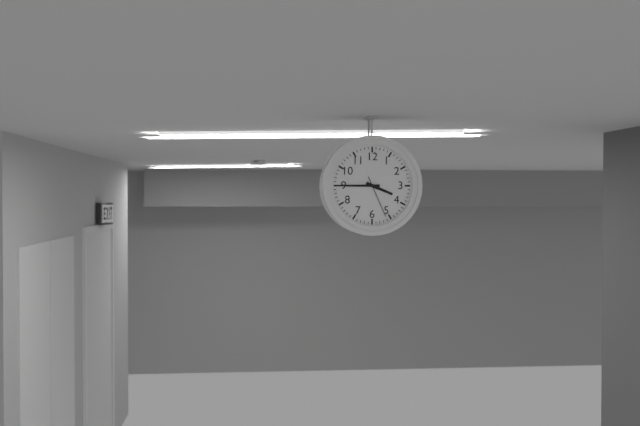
3.45
